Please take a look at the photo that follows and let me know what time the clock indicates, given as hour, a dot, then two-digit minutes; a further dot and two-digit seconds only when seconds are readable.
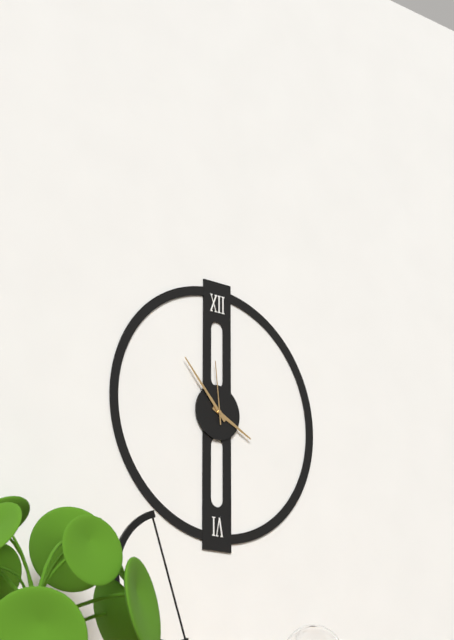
3.53.59
